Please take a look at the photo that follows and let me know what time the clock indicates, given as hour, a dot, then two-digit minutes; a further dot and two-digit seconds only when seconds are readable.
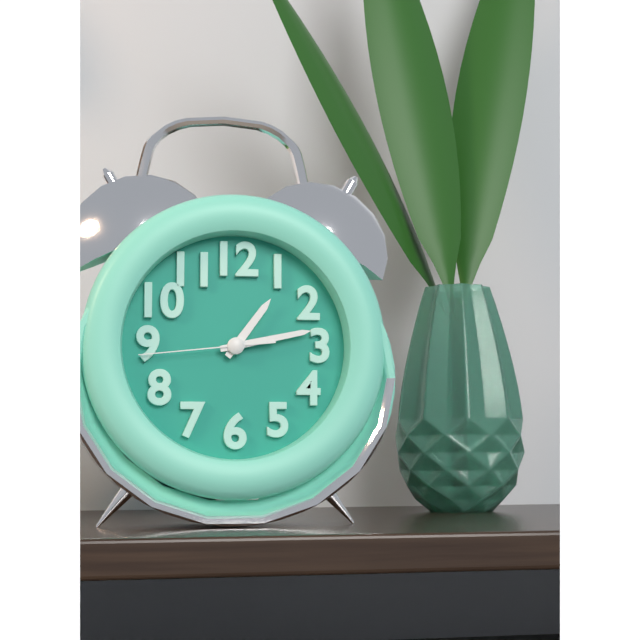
1.13.44
